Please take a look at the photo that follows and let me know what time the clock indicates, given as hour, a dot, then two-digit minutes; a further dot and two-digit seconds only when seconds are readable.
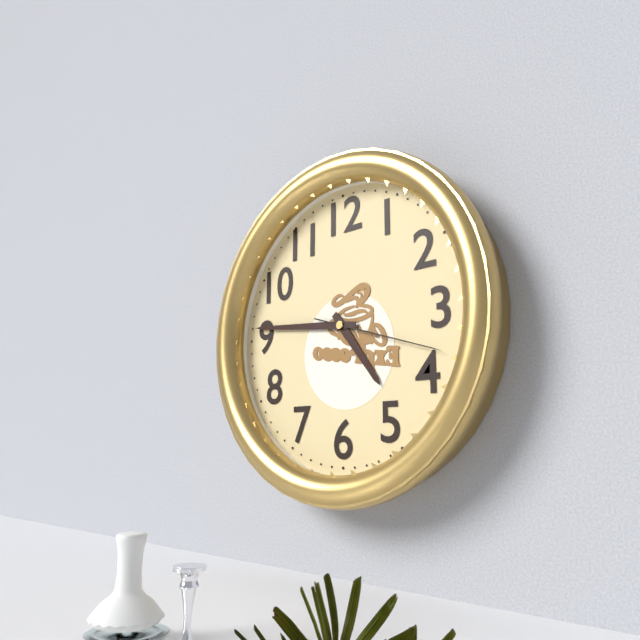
4.46.18
